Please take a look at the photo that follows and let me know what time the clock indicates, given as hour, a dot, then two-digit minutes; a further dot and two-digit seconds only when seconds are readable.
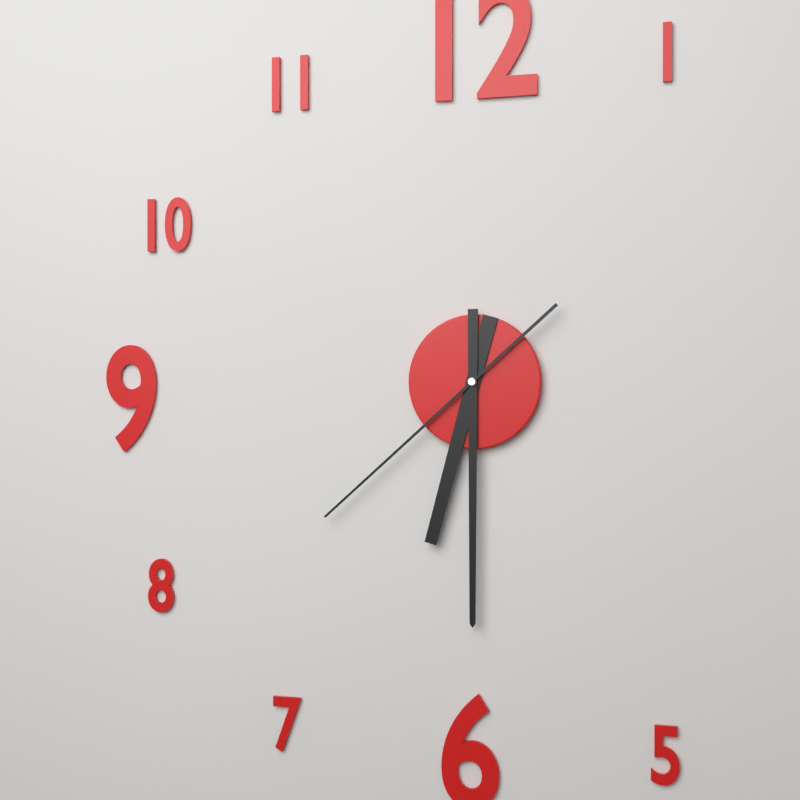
6.30.38
